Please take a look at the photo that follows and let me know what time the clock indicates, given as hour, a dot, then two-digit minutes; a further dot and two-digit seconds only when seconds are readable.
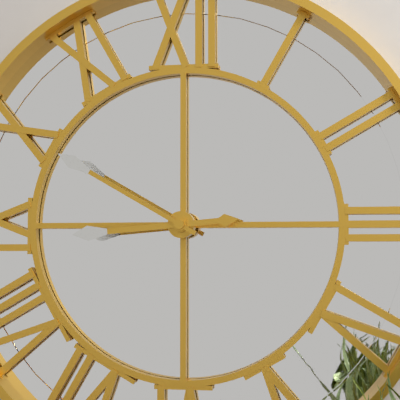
8.50
